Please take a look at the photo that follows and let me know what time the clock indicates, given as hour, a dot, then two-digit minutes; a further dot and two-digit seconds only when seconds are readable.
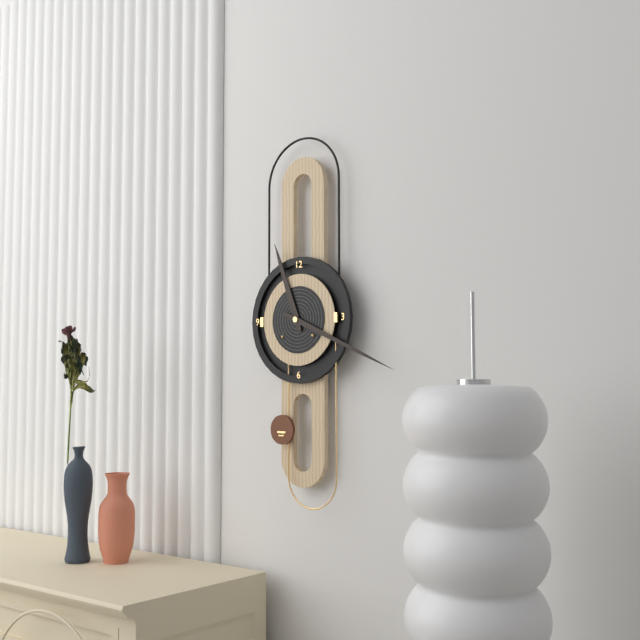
11.19
